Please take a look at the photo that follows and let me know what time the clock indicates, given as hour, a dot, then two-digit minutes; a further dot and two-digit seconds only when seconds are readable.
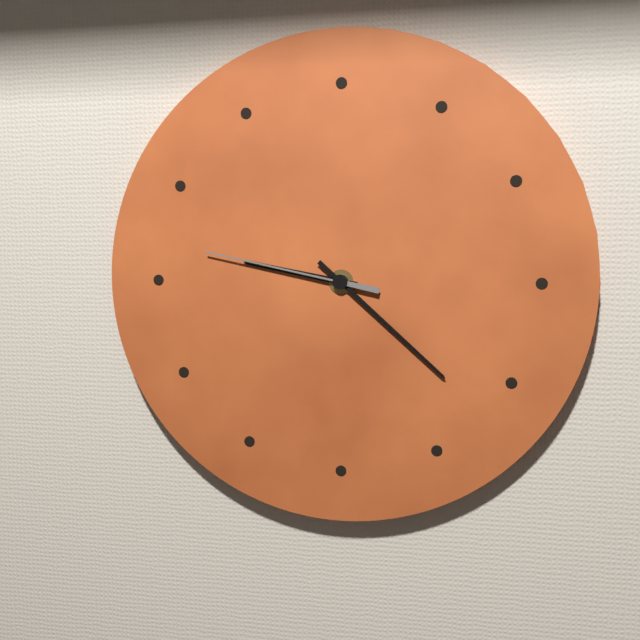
9.22.47
